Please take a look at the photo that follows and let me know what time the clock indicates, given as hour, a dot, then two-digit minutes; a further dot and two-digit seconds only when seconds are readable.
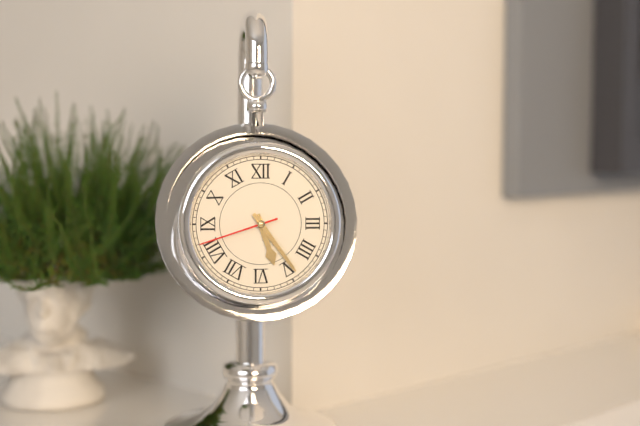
5.24.42
